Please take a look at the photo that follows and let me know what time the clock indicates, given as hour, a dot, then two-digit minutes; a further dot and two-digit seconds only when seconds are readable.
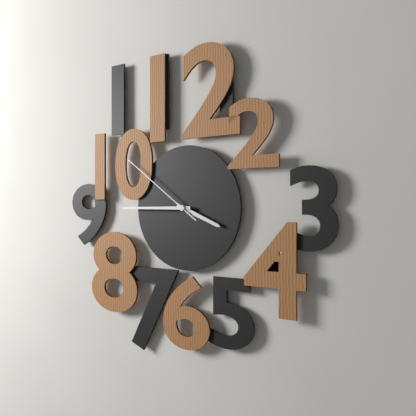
3.45.51
